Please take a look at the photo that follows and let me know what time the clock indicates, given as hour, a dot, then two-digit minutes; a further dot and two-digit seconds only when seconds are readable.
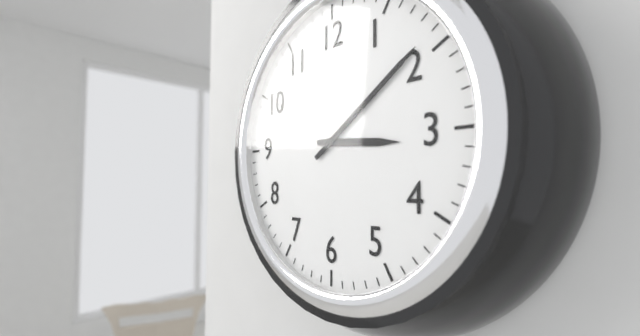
3.09
